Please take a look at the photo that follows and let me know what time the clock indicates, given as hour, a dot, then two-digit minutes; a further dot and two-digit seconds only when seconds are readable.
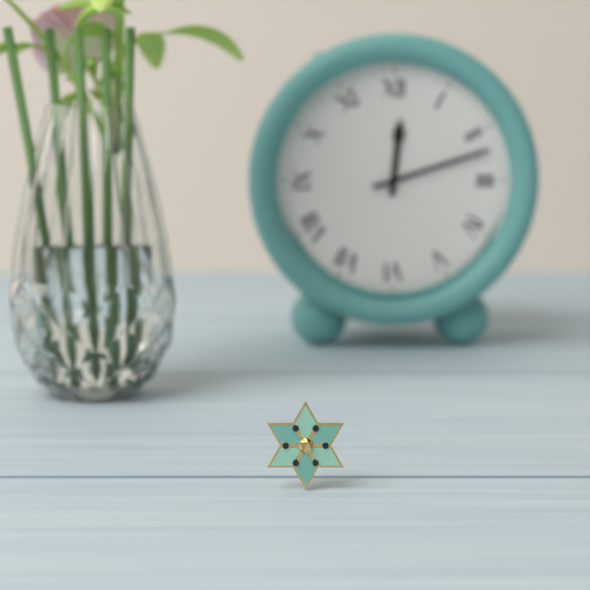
12.12
